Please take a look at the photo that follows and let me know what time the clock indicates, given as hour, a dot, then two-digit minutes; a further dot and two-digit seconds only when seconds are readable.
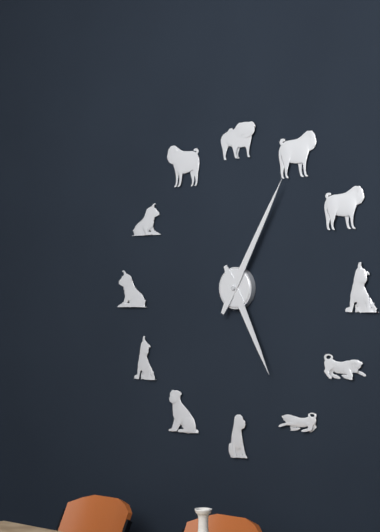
5.05
